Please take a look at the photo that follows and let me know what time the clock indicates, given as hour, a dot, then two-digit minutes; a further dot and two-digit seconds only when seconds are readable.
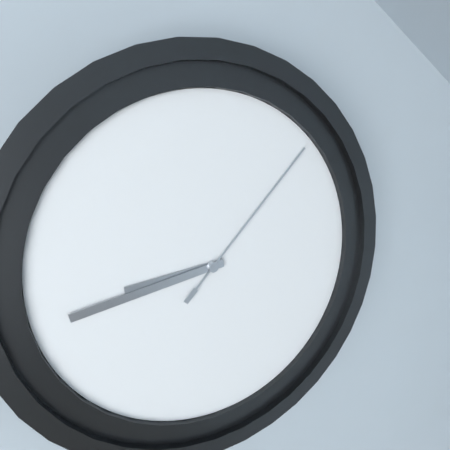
8.43.07
